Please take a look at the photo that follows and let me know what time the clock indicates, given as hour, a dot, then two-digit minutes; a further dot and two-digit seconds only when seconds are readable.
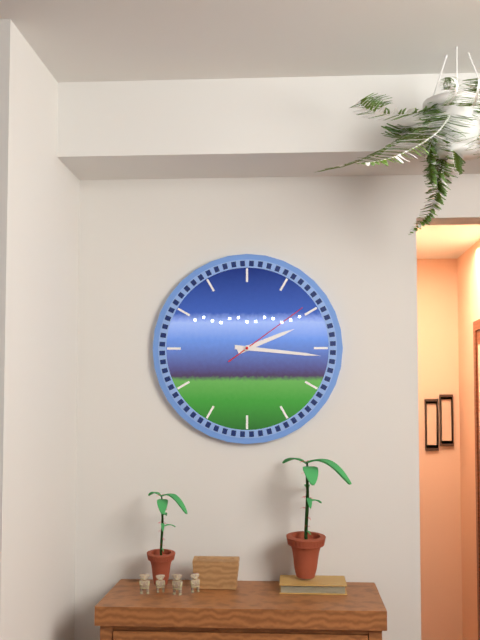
2.16.09
